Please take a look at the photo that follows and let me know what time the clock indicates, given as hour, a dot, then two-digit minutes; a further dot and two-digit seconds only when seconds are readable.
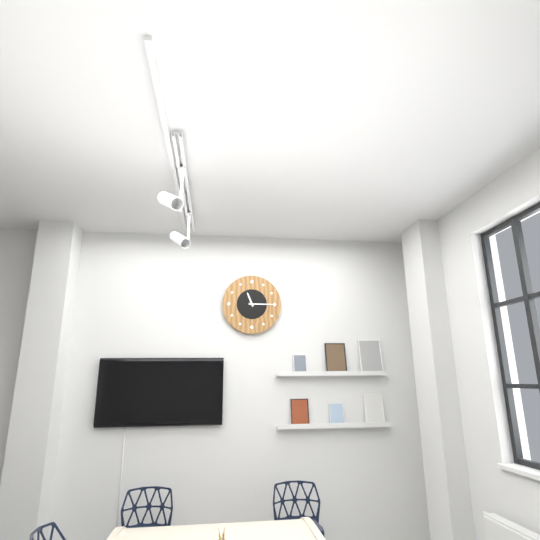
11.15
